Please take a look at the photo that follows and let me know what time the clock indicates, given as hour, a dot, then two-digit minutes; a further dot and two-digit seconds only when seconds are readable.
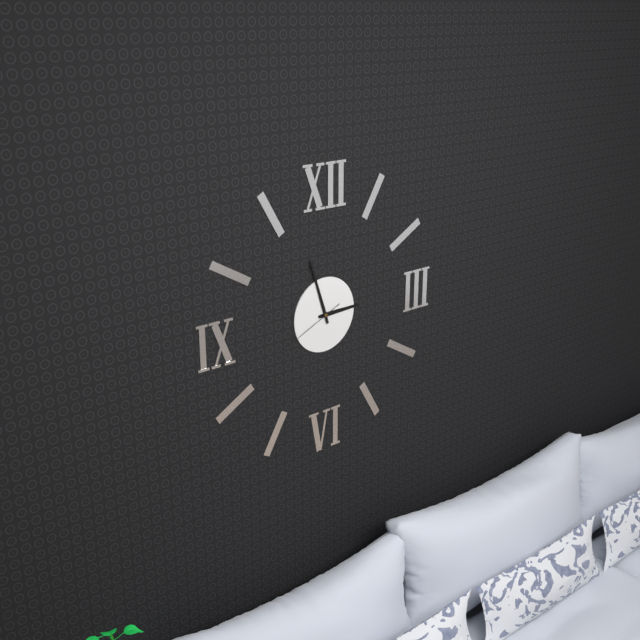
2.57.41
